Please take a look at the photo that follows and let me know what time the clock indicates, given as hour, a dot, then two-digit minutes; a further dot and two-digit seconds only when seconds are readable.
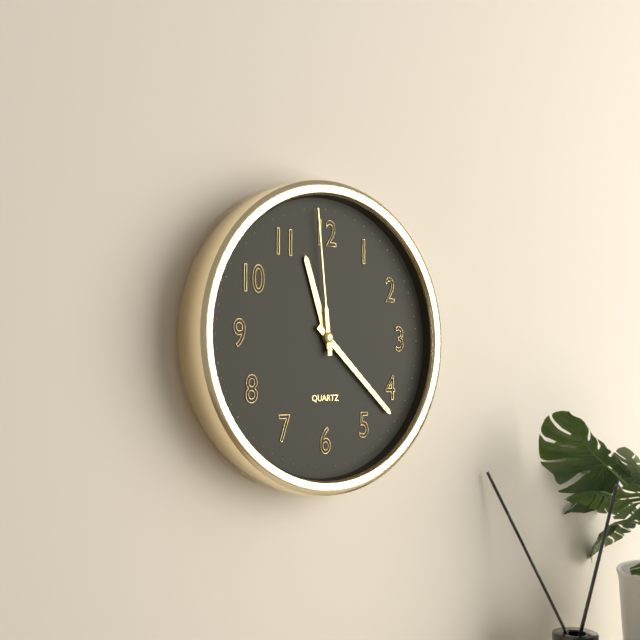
11.22.59
